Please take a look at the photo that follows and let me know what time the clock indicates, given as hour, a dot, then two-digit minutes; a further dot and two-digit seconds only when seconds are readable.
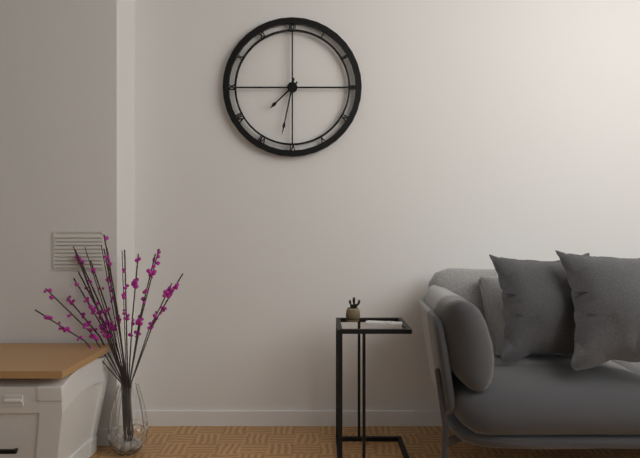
7.32
